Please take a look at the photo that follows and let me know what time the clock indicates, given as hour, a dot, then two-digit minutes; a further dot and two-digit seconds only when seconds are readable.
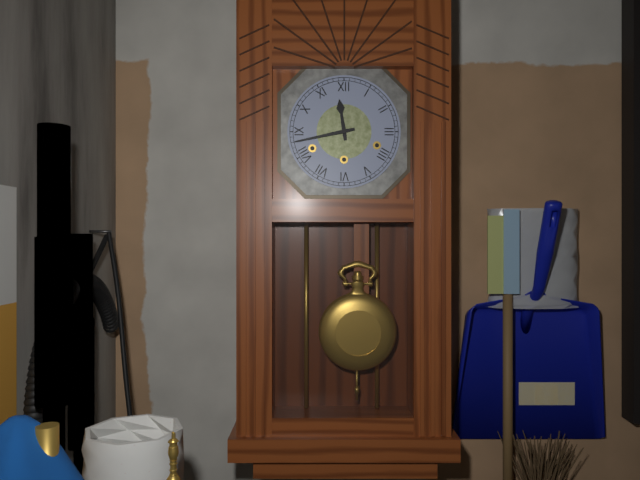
11.43
